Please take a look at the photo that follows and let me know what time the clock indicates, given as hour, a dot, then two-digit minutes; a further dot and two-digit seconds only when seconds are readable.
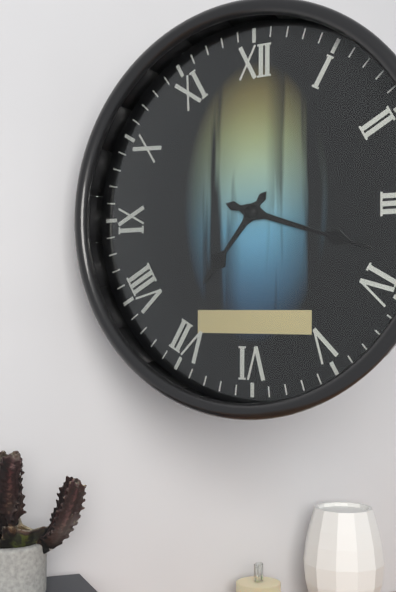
7.18
